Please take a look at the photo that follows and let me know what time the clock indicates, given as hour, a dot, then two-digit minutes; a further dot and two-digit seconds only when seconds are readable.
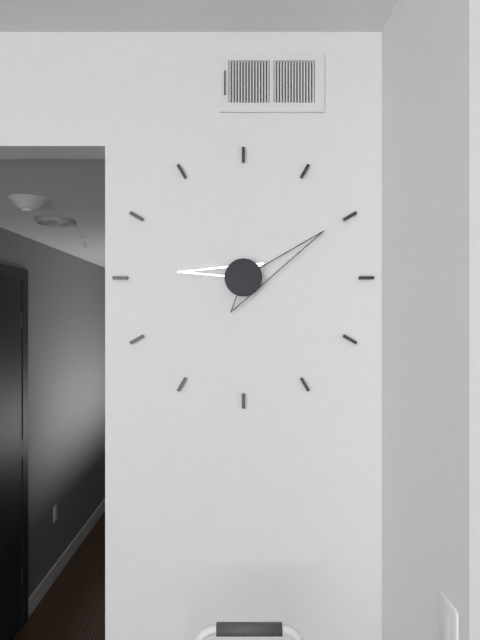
9.10
